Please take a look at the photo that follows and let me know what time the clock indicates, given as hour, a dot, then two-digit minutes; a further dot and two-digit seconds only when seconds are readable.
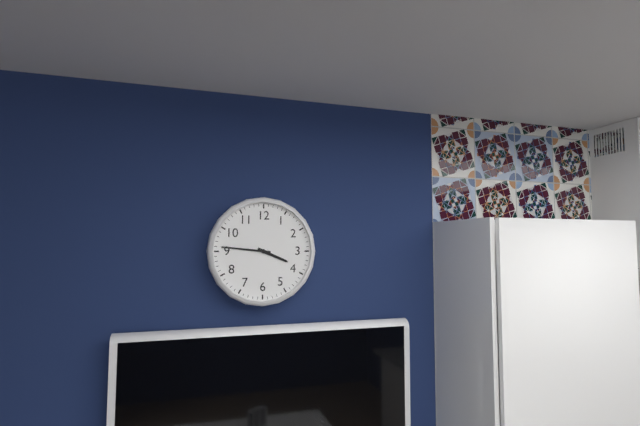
3.46
